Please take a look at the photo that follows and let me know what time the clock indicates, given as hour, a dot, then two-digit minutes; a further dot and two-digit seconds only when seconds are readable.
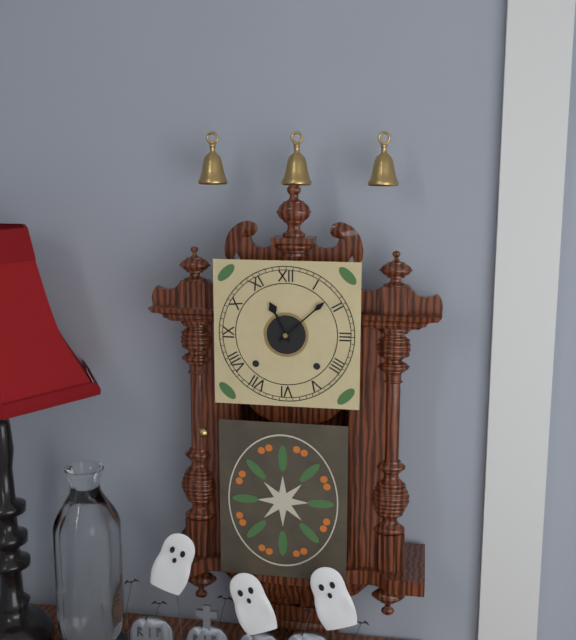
11.08
